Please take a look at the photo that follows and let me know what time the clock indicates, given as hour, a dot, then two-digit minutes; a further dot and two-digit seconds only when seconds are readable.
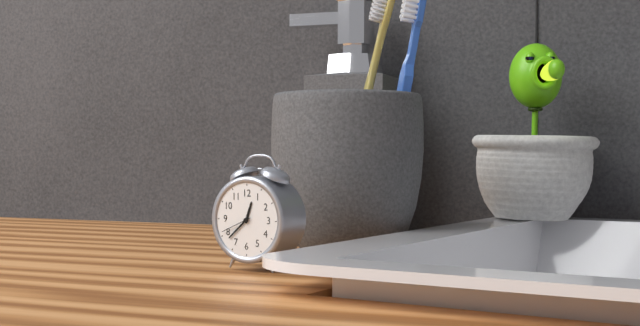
12.38
